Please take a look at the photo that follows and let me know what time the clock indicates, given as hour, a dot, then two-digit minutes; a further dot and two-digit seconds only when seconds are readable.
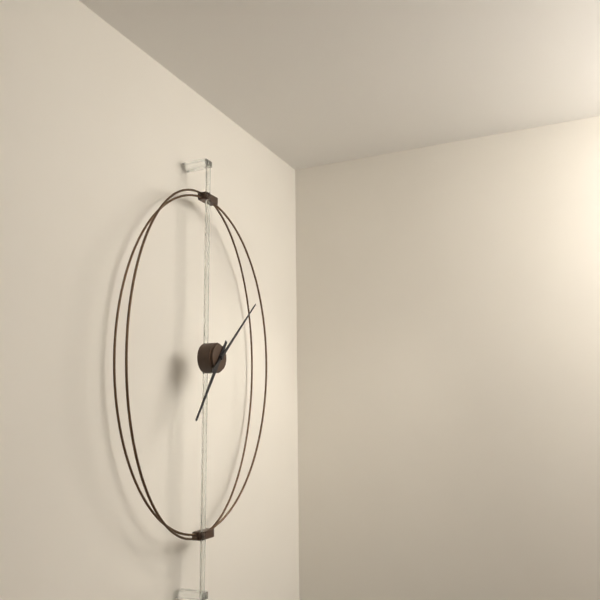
7.08
